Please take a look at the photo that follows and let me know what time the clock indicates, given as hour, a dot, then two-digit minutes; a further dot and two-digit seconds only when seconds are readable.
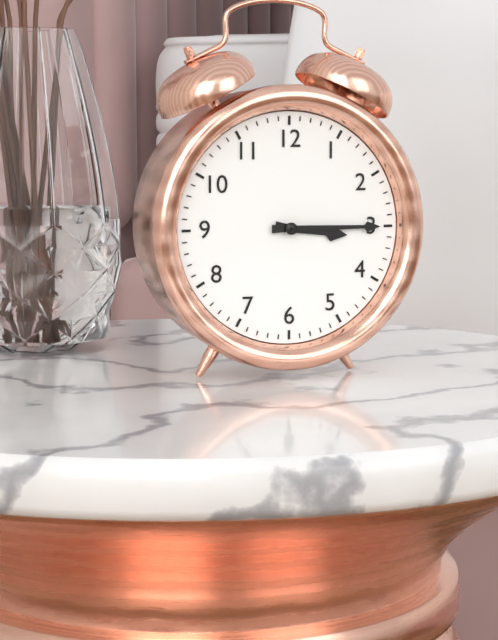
3.15
